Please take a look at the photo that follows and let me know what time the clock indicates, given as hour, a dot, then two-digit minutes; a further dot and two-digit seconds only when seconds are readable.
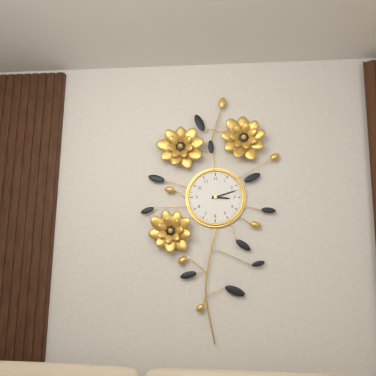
3.12
